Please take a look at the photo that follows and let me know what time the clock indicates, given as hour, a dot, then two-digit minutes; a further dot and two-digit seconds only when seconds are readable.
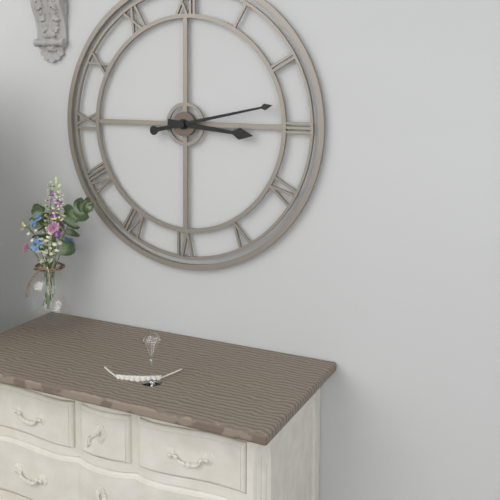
3.13
